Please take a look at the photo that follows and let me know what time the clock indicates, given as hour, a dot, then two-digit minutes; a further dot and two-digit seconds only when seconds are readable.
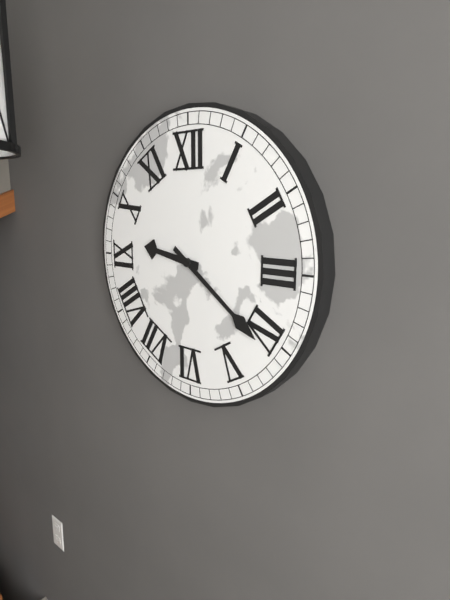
9.21
